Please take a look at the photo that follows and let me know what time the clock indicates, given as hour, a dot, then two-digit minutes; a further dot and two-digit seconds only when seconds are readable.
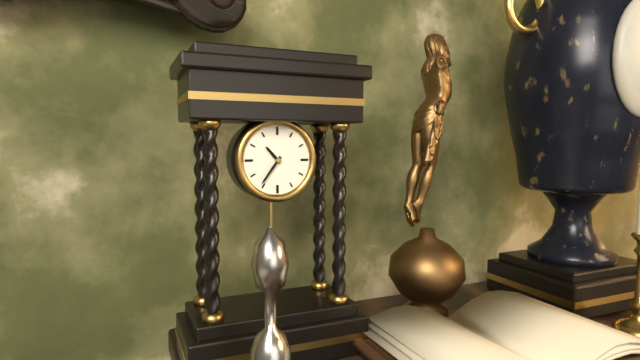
10.36
